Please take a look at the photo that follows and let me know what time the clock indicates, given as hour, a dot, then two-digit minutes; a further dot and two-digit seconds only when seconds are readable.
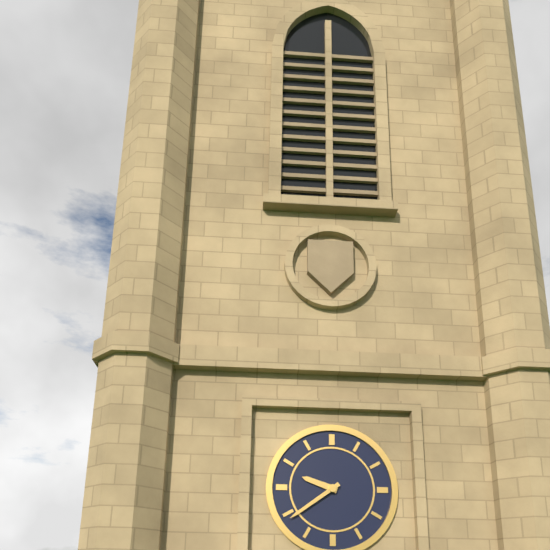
9.39
